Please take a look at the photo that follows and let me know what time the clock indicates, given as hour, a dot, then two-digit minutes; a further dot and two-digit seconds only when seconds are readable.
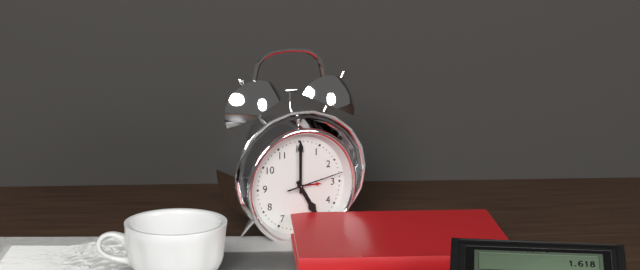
5.00.13
